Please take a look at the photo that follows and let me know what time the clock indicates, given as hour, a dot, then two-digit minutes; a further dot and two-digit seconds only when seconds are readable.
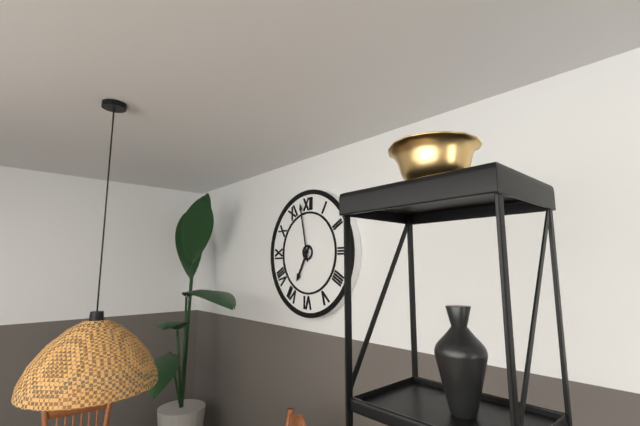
6.58
